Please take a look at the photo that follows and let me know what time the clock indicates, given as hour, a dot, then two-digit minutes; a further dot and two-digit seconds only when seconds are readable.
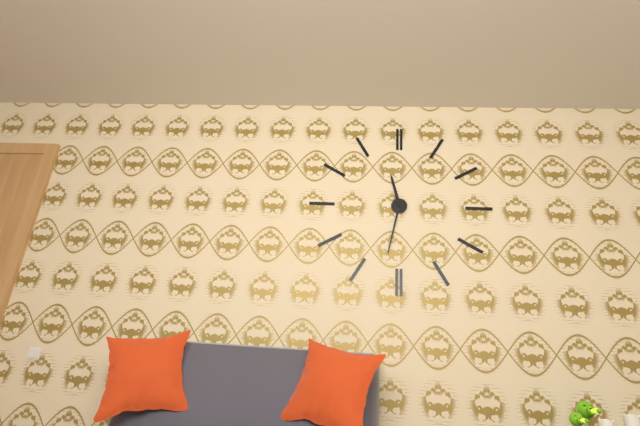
11.32
